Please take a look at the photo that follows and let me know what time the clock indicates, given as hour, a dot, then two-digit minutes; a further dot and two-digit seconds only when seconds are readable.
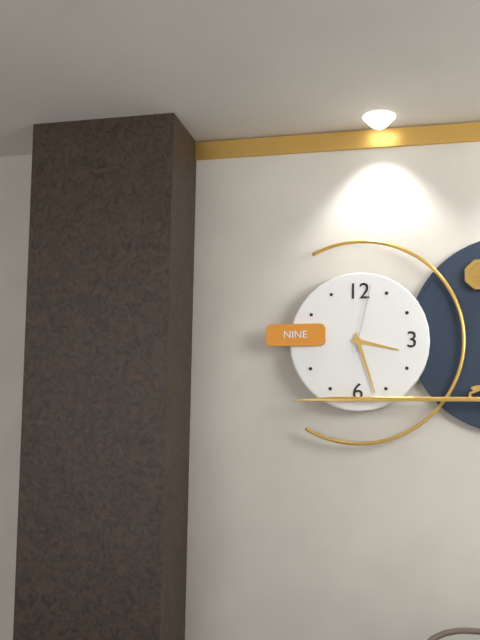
3.27.02
